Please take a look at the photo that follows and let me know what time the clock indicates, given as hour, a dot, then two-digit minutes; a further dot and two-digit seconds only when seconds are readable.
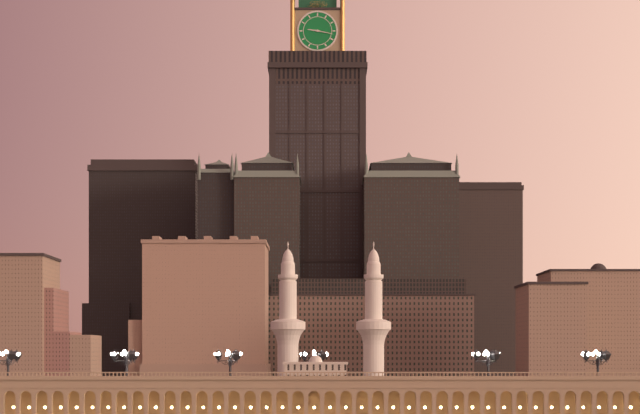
9.17
